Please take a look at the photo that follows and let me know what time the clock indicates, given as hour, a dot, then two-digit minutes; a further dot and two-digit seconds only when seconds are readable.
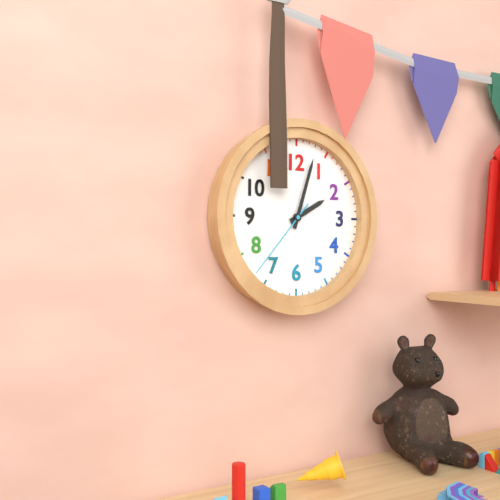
2.03.37
